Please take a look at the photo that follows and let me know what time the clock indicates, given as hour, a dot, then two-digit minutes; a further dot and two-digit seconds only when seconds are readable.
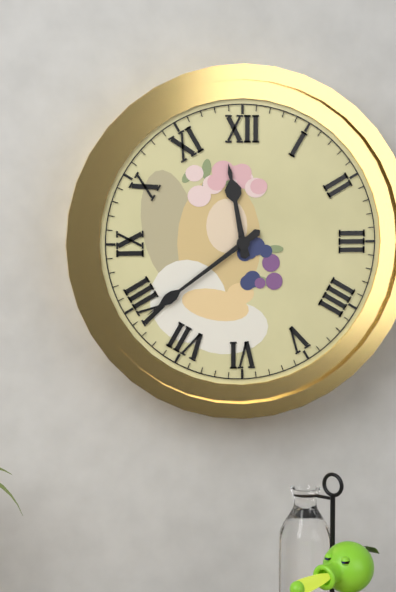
11.39
